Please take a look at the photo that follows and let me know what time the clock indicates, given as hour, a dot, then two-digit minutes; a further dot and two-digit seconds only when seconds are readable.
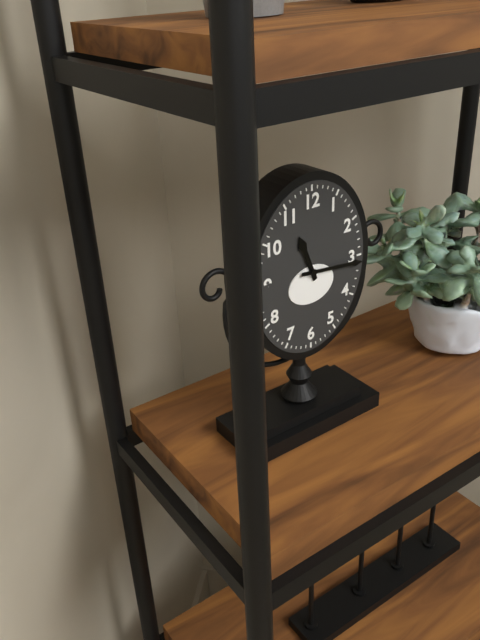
11.16
